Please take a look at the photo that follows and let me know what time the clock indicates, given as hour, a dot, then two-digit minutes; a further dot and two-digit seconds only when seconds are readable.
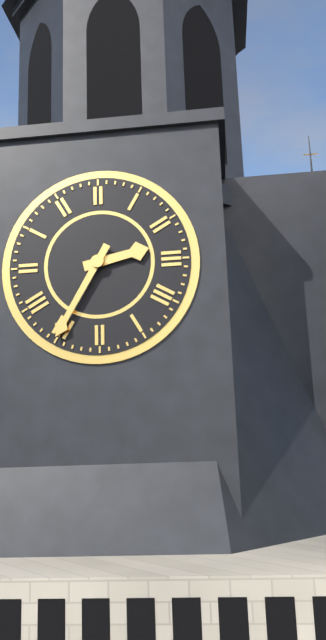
2.35
